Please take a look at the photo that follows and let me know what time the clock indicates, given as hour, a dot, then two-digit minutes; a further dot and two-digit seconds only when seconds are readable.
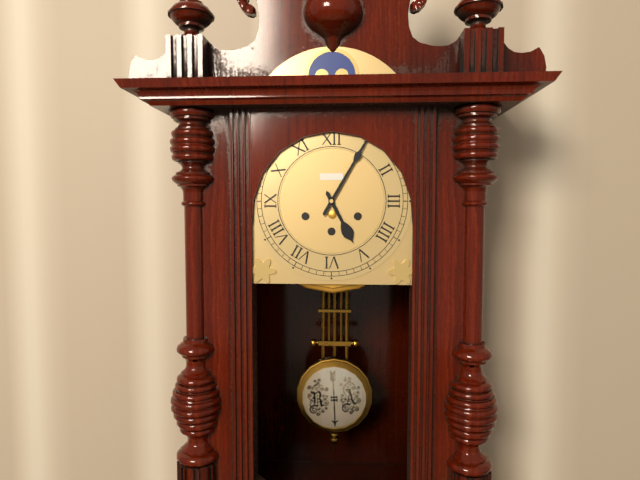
5.05
